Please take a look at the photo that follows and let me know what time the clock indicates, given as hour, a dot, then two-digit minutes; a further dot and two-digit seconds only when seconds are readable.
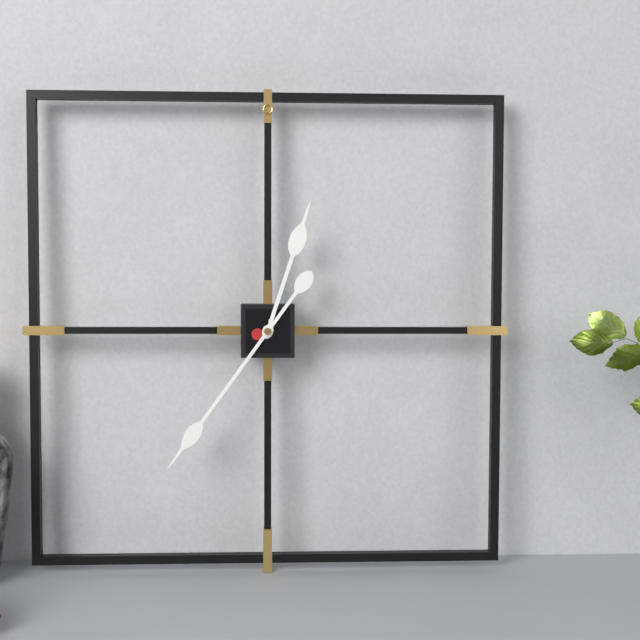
12.36
